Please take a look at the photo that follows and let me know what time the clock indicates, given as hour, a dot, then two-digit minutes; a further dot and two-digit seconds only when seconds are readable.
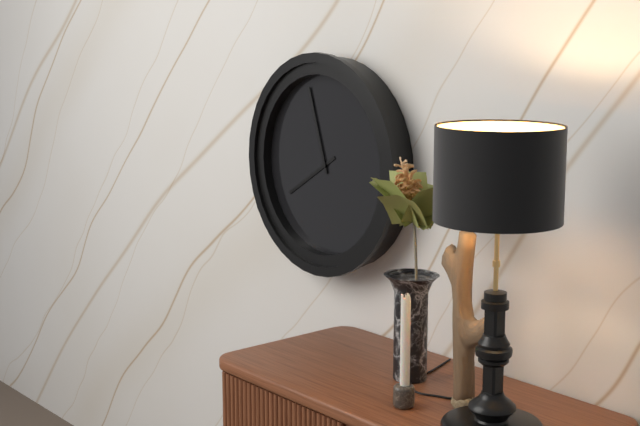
7.57
